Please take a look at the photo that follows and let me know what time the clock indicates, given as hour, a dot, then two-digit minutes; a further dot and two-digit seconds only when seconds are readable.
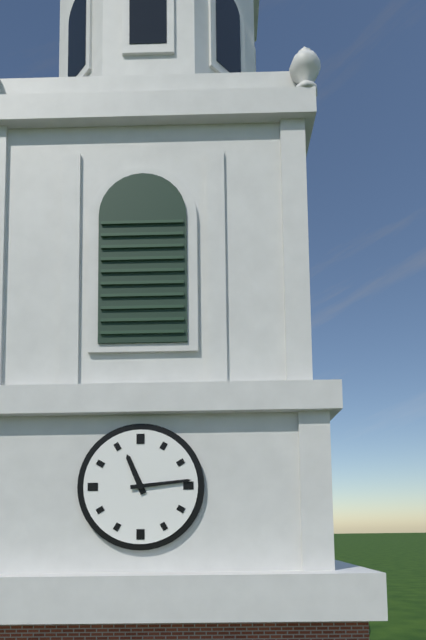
11.14
